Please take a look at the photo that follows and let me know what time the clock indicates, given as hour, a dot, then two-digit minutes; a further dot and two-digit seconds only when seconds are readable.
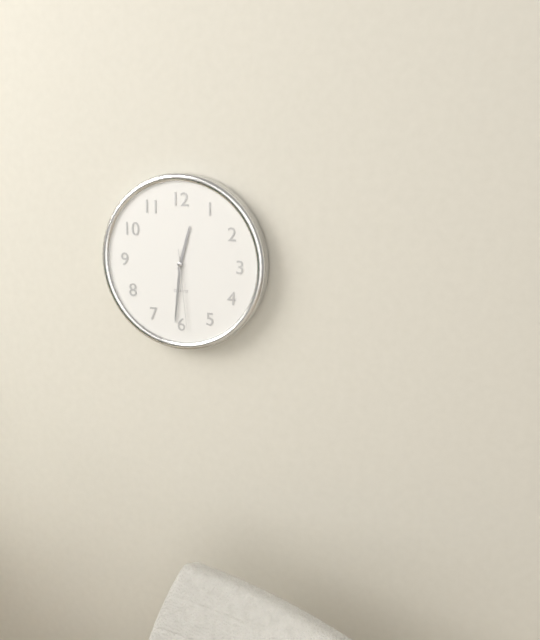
12.31.29
